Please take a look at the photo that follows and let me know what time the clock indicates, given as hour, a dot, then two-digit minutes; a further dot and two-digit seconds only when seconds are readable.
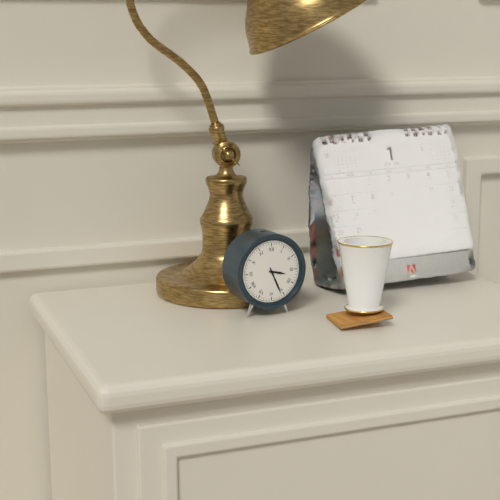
3.26
